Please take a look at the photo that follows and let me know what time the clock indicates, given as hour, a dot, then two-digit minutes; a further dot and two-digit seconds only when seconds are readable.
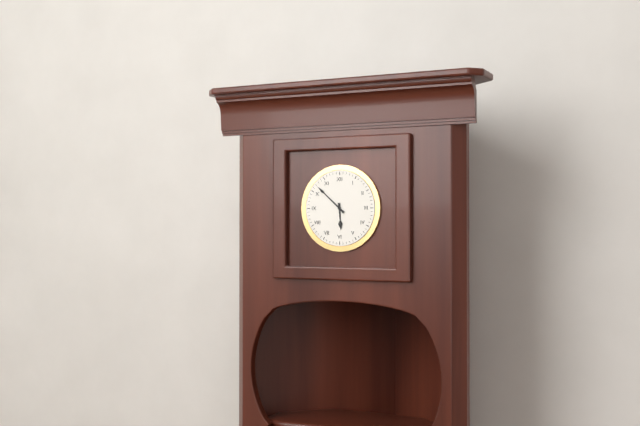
5.52
